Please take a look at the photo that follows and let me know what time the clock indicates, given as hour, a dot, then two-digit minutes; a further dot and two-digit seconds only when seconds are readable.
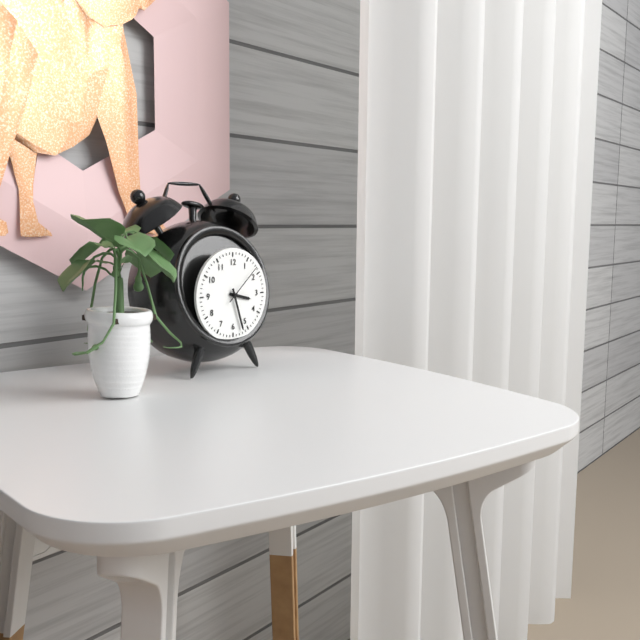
3.27
